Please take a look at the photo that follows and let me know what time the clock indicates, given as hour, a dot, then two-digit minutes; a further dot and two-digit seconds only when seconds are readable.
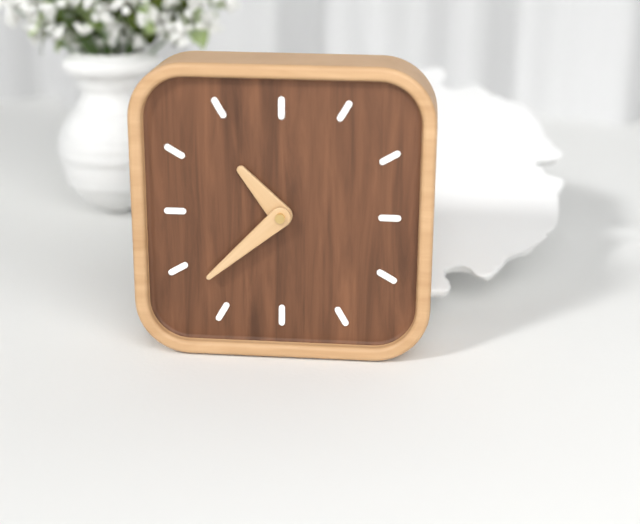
10.38
